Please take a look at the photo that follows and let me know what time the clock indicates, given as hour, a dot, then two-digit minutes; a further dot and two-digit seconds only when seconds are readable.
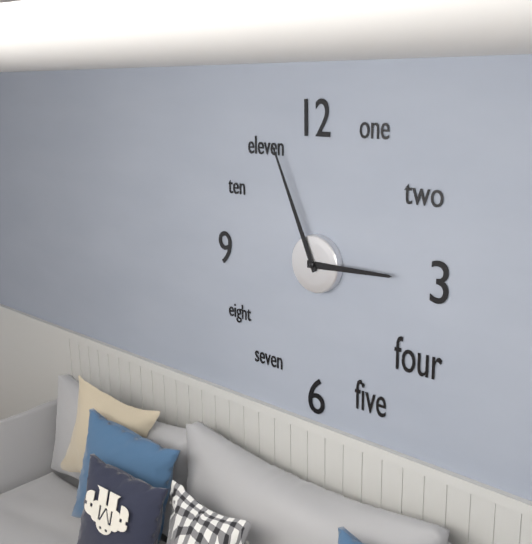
2.56
